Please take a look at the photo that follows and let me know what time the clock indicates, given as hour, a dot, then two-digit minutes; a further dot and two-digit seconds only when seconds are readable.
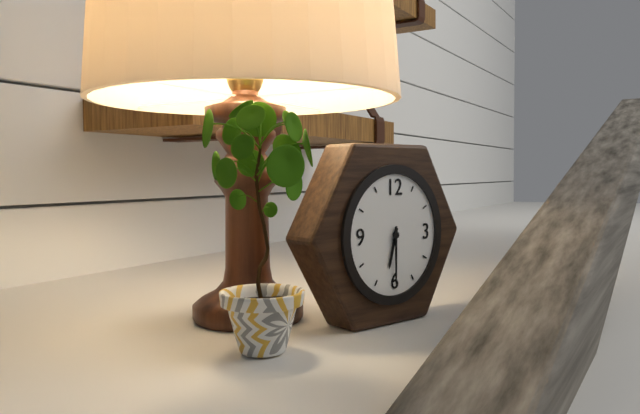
6.30
